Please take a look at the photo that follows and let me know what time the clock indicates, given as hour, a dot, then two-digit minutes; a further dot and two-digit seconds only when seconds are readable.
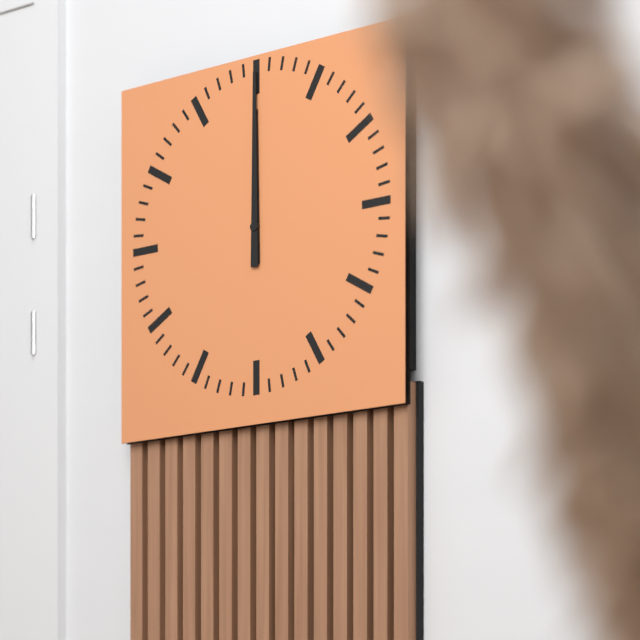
12.00
